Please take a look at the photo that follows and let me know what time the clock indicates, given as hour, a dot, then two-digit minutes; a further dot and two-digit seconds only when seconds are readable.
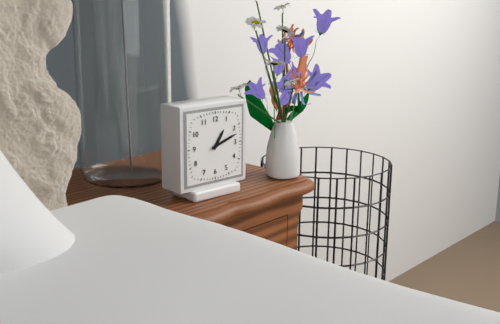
1.12
